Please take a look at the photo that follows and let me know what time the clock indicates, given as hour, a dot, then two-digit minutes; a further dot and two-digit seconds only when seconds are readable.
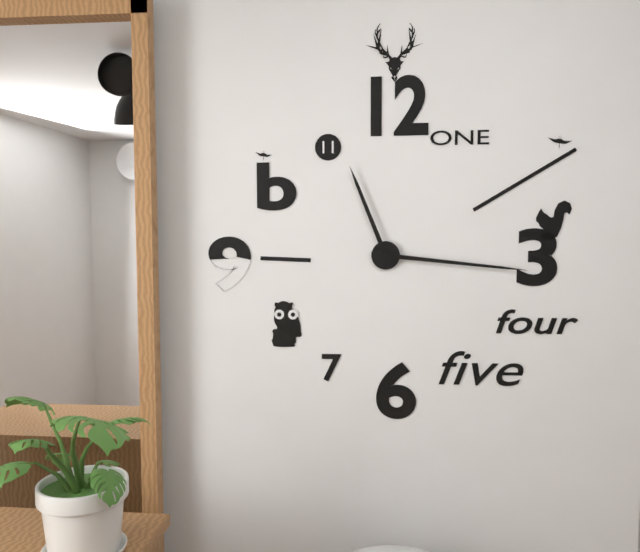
11.16
